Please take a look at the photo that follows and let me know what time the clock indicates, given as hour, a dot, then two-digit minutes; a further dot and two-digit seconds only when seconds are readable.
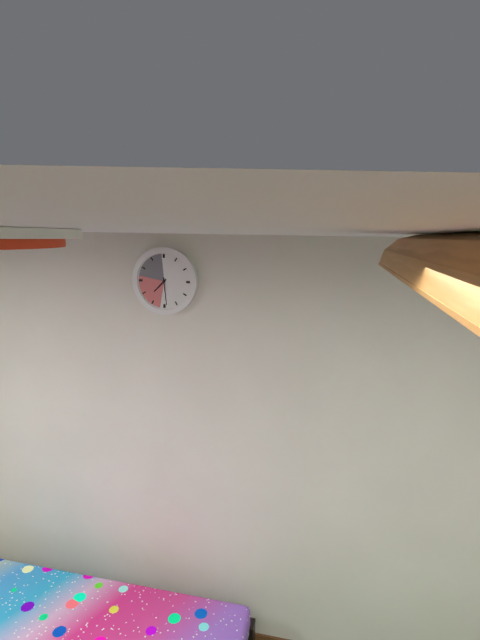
7.29
